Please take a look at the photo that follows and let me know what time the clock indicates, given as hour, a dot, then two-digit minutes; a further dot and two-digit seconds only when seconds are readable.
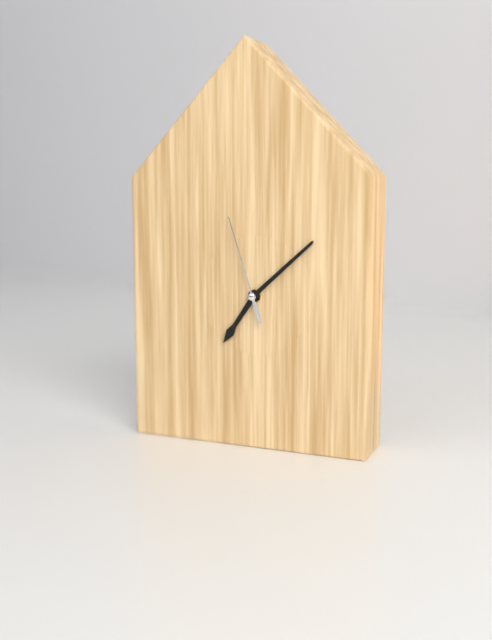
7.08.57
